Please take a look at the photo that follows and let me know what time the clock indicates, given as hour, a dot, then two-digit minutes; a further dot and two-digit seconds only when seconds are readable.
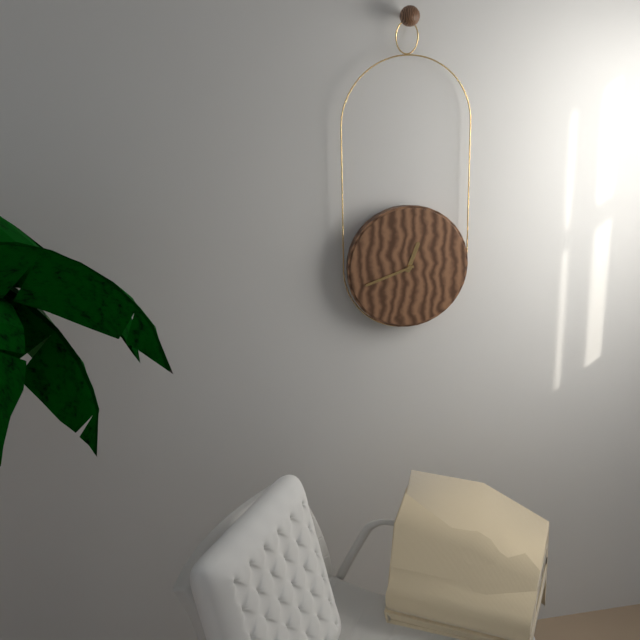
12.42
